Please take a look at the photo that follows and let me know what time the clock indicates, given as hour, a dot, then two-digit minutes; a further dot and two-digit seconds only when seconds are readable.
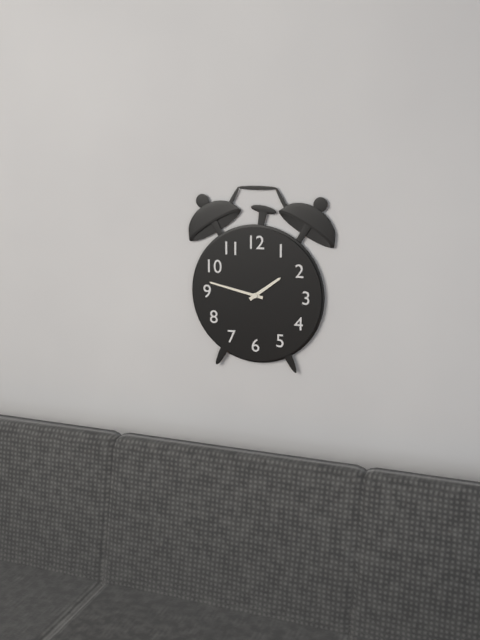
1.47
